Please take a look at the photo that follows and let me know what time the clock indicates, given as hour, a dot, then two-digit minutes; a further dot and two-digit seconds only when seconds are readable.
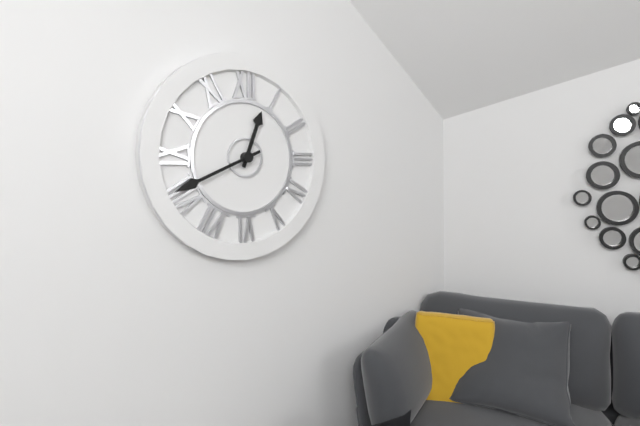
12.41
